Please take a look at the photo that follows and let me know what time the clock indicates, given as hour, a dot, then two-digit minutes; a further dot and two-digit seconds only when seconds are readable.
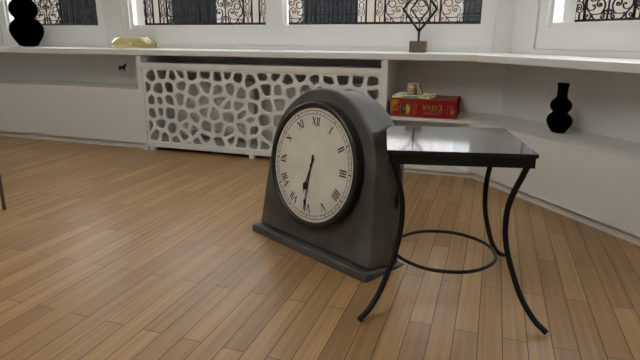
6.31
